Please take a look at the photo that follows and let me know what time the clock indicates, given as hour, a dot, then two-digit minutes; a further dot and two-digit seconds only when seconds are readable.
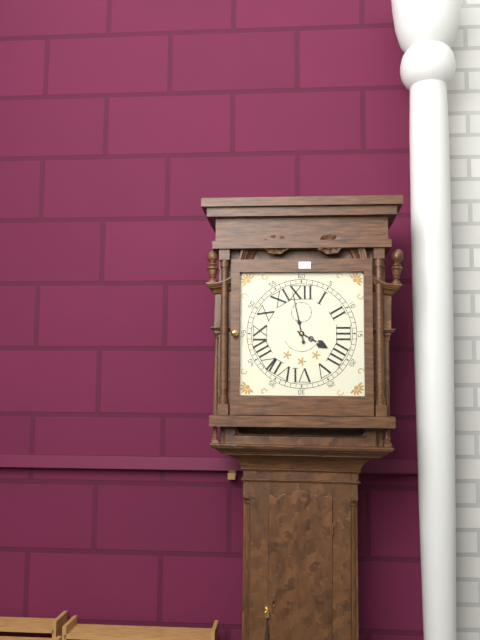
3.58
